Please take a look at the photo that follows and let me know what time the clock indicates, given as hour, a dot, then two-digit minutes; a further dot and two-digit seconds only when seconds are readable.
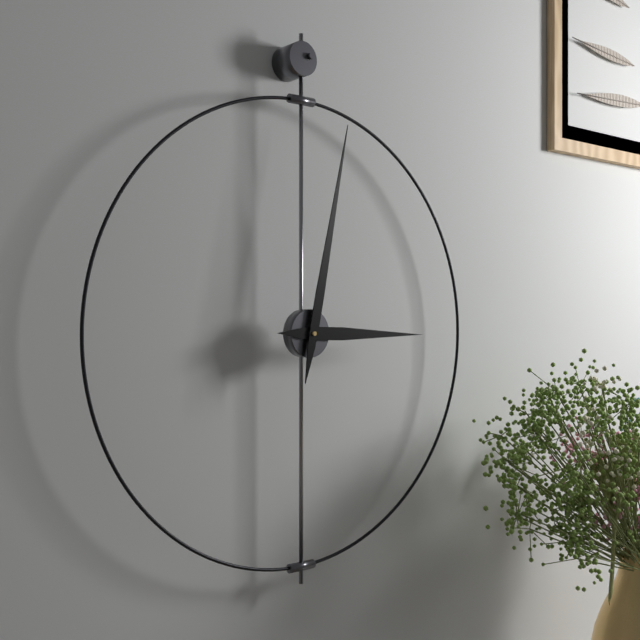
3.02
